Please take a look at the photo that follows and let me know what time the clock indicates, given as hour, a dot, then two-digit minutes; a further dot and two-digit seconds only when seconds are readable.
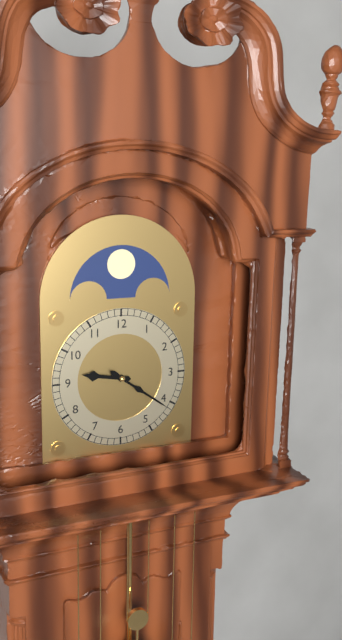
9.21
